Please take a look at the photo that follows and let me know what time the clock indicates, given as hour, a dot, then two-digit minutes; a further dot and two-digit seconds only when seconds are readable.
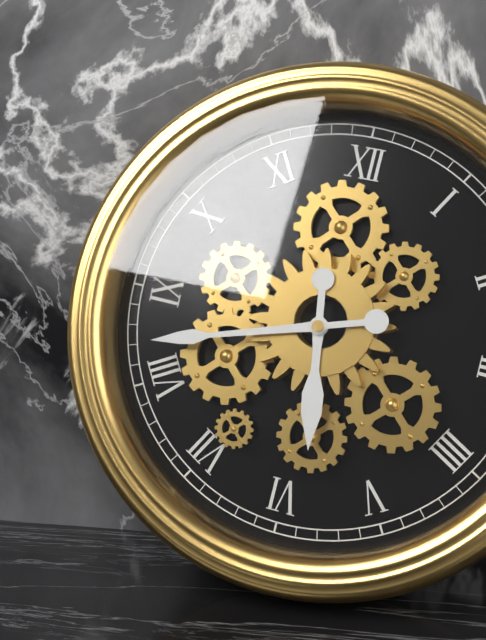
5.42
